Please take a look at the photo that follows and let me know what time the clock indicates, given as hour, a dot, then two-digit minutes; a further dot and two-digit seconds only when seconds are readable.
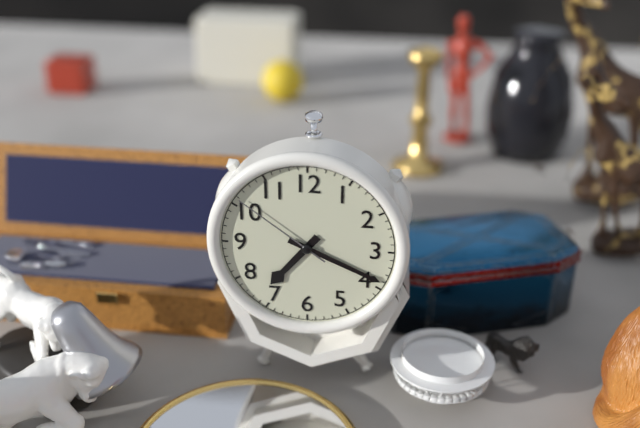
7.19.51
